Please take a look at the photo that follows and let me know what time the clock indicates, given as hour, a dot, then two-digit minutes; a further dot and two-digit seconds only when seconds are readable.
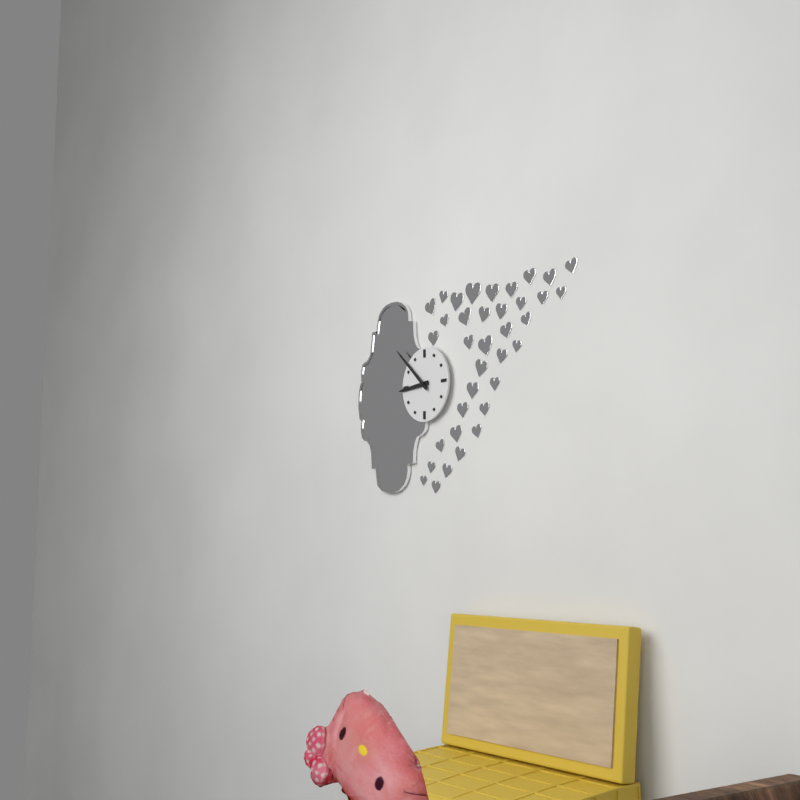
8.52
